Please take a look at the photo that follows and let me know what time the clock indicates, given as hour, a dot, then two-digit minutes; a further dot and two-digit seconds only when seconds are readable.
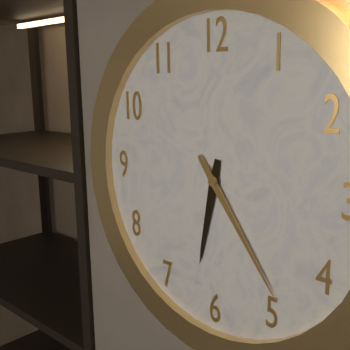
6.24
